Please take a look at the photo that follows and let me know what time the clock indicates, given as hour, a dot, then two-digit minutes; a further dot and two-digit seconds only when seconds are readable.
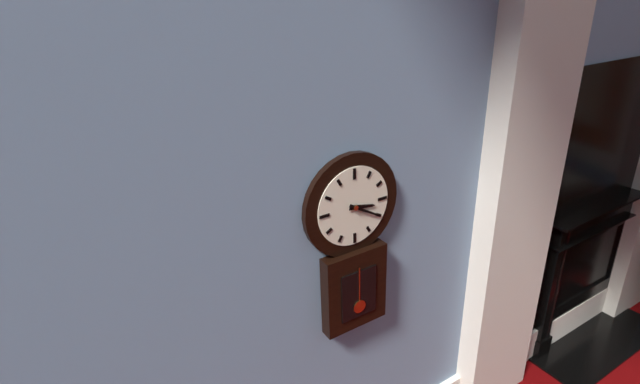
3.20
